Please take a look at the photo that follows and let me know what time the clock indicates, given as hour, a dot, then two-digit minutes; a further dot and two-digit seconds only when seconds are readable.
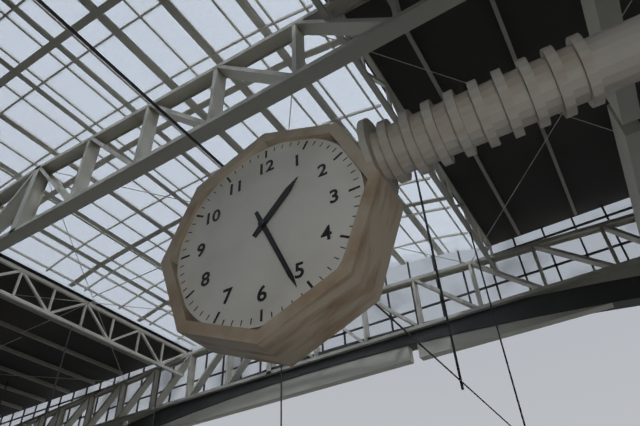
1.26
